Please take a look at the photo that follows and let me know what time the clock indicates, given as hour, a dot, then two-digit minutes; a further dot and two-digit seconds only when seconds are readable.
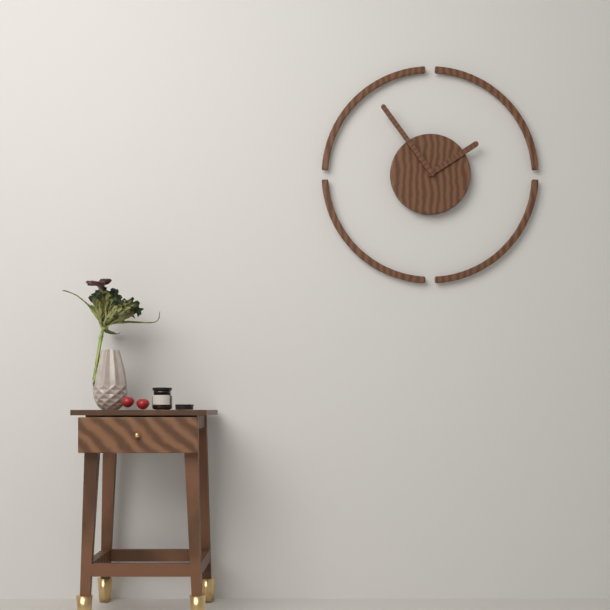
1.54
